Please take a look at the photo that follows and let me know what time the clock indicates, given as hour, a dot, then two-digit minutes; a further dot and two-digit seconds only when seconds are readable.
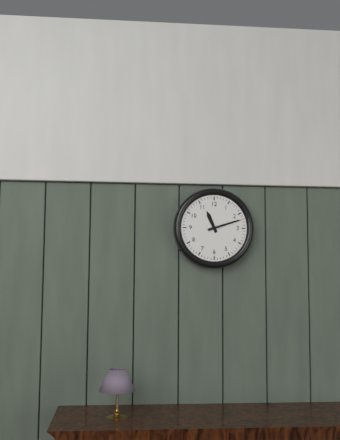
11.12
